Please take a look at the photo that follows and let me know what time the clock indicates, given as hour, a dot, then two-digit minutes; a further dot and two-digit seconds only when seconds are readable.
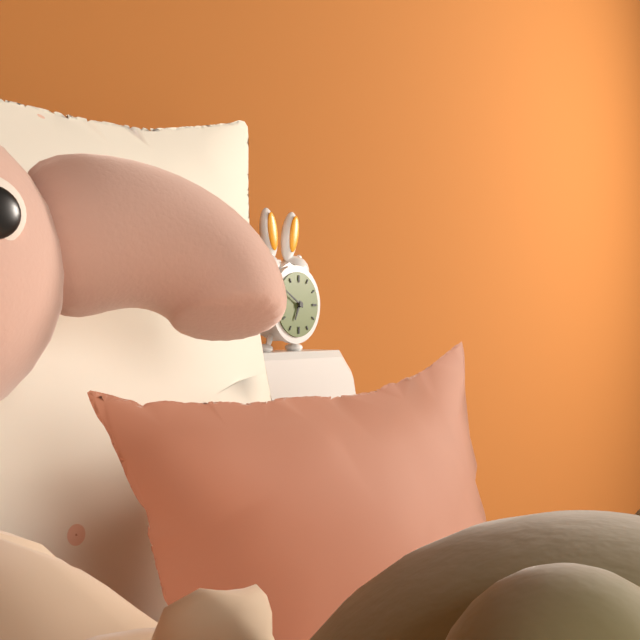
6.50
